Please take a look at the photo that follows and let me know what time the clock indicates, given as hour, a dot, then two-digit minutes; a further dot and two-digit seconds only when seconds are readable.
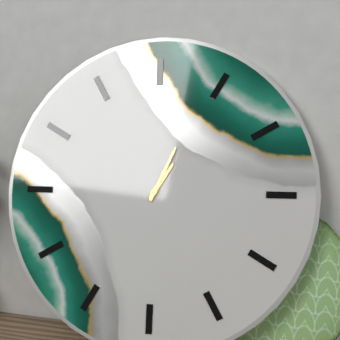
1.04
